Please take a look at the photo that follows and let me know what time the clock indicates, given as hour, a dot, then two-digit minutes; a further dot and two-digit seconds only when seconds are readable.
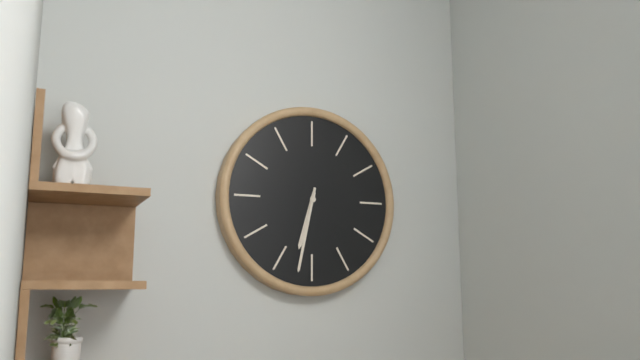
6.32
